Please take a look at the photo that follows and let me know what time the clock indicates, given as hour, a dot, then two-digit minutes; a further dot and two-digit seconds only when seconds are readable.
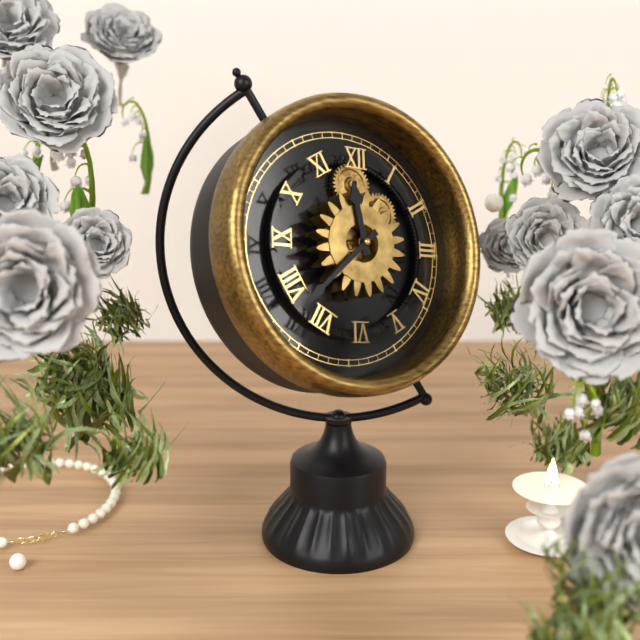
11.38
